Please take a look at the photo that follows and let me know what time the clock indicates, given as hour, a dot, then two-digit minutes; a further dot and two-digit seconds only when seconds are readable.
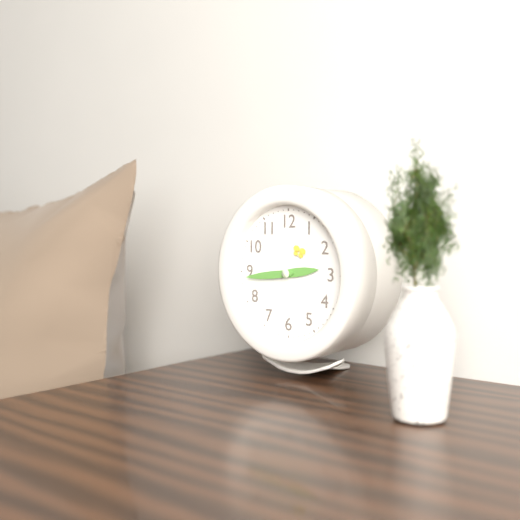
2.44
